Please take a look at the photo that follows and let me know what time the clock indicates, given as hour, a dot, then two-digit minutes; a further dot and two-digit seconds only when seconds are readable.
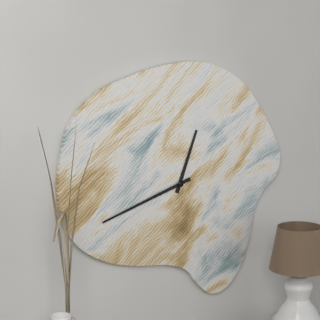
12.42
